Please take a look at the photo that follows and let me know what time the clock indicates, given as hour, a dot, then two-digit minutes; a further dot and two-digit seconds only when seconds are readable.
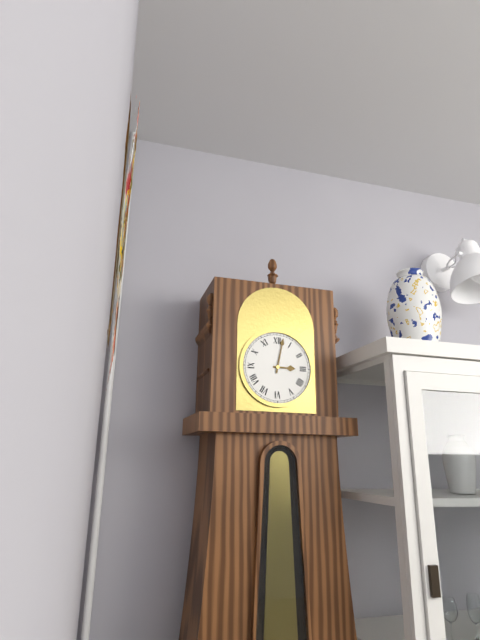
3.02
